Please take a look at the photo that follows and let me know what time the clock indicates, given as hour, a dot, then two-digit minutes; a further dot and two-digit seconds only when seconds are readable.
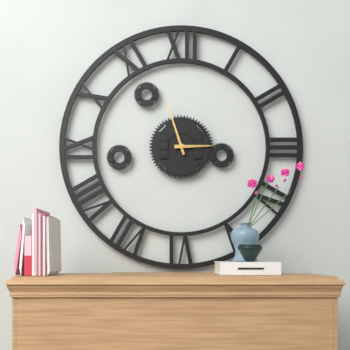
2.57
